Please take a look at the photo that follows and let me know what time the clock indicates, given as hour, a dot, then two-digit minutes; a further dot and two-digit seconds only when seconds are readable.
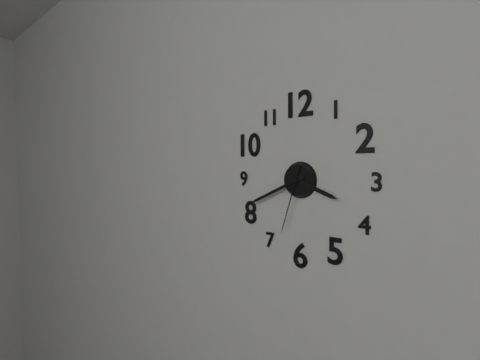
3.41.33
